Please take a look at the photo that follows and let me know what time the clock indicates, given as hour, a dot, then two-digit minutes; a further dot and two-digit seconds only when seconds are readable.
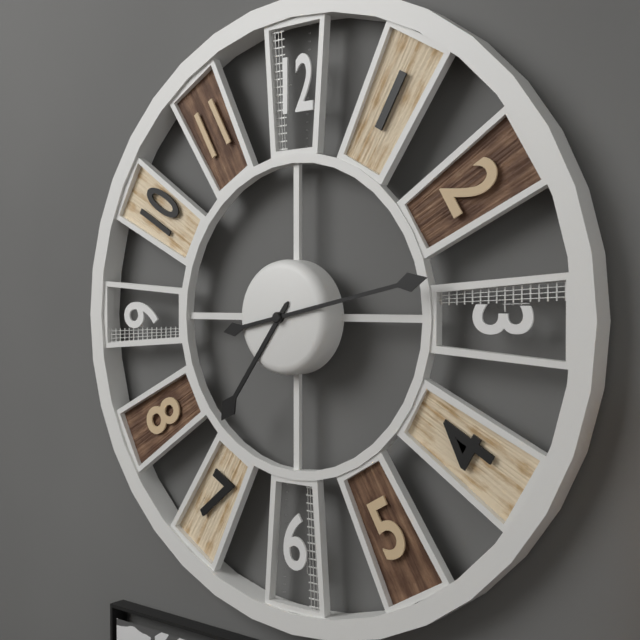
7.13
